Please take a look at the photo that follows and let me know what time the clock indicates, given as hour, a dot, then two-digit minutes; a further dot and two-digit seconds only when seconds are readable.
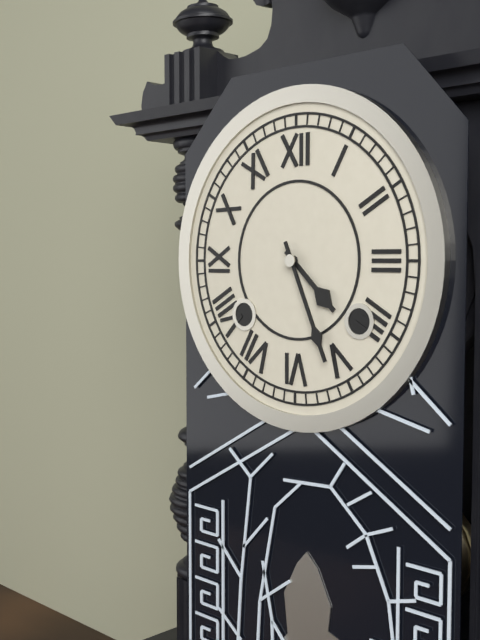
4.26
